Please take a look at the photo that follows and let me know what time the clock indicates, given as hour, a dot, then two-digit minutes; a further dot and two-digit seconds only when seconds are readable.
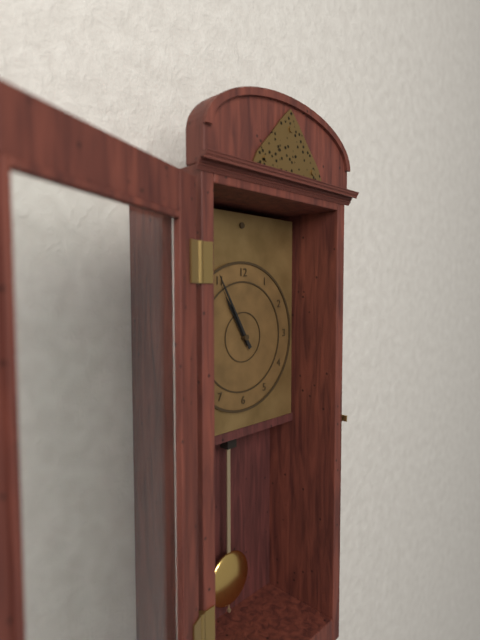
10.55
